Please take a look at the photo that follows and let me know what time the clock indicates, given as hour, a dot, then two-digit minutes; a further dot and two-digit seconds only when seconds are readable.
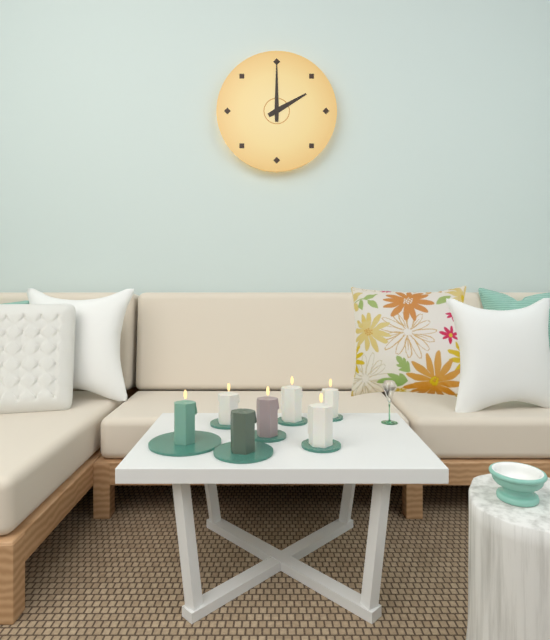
2.00
